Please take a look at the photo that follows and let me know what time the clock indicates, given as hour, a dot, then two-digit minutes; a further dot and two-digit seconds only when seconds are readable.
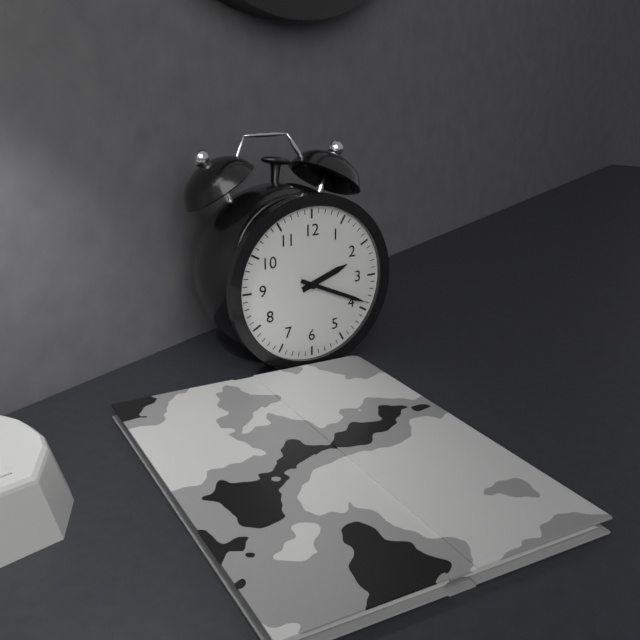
2.19
